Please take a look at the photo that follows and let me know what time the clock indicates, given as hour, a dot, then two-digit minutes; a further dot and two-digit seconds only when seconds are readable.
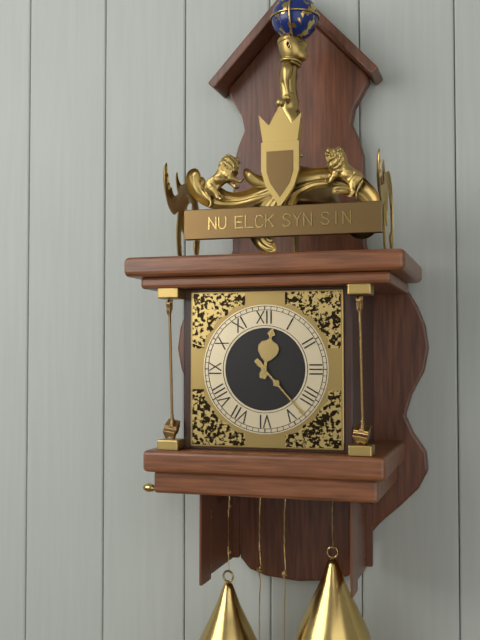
12.23
